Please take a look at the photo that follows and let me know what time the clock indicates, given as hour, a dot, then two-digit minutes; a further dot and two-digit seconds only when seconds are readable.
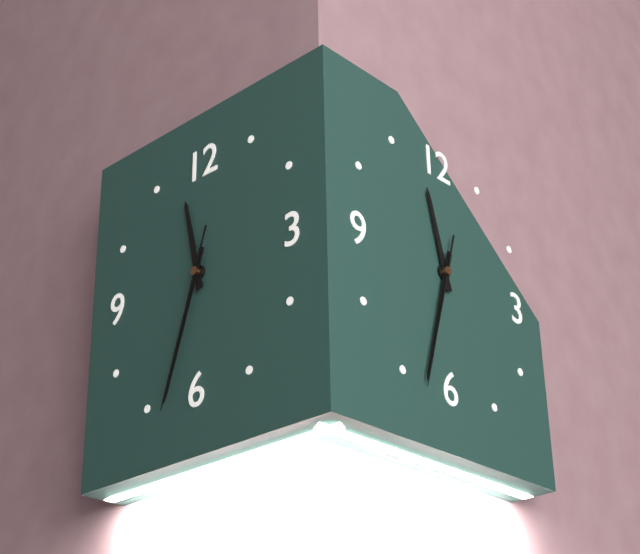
11.33.33
